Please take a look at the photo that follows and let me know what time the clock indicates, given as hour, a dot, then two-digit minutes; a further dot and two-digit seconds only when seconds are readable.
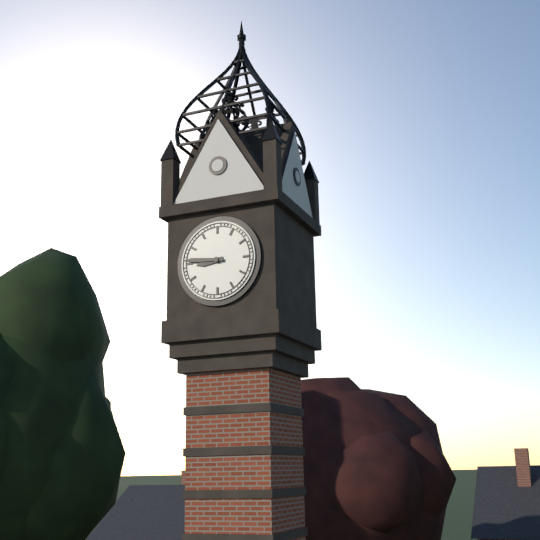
8.46
